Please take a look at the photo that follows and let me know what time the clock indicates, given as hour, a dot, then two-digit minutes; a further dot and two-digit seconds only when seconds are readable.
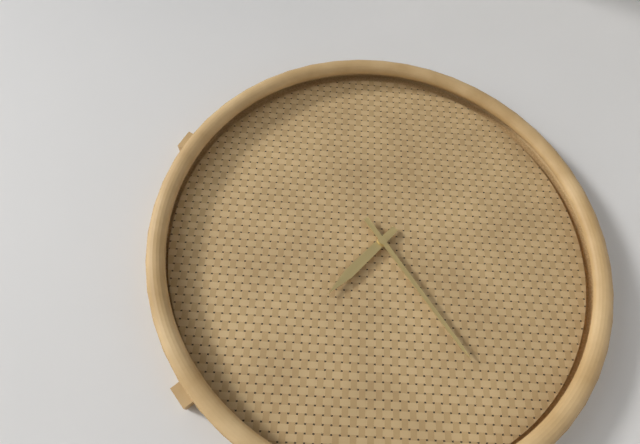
7.24
